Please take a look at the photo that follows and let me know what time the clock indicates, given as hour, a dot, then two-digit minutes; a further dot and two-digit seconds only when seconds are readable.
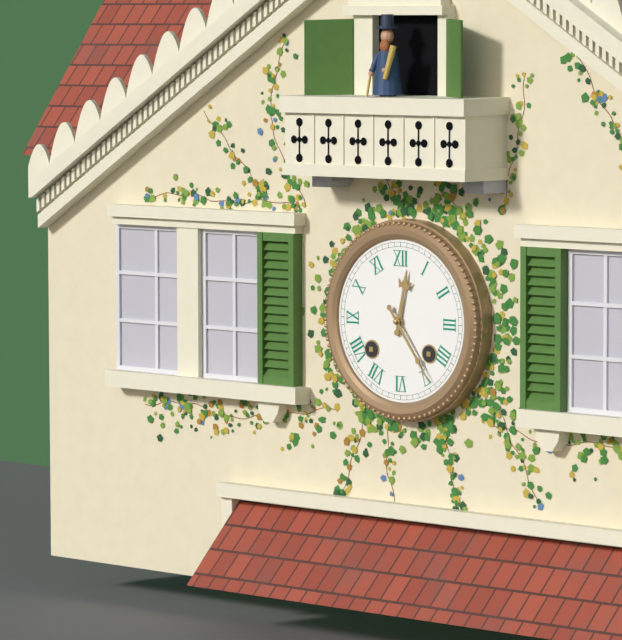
12.24
